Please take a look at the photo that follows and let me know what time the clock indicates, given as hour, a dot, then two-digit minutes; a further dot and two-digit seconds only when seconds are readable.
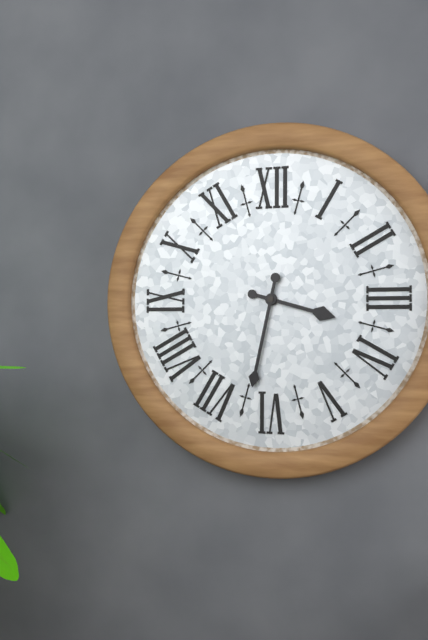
3.32
